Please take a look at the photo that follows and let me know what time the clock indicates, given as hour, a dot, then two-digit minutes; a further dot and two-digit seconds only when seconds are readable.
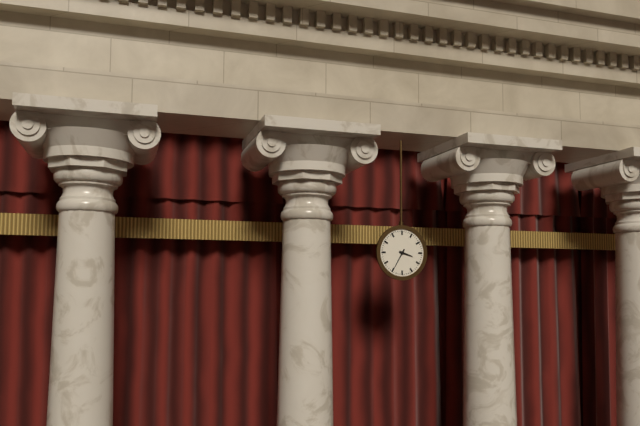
3.35
